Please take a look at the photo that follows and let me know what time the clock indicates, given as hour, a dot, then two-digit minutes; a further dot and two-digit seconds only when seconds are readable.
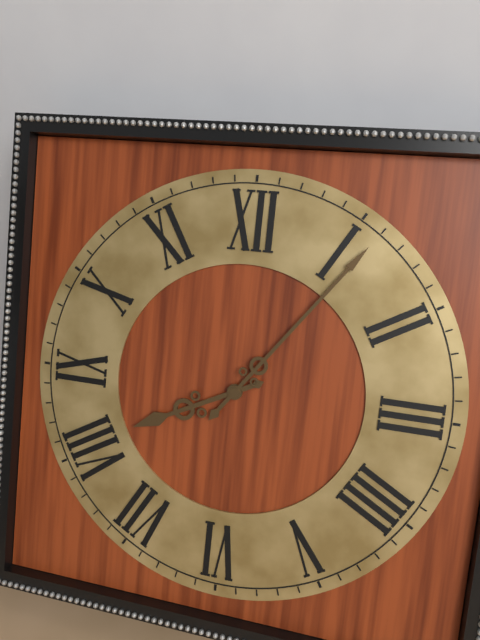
8.06
